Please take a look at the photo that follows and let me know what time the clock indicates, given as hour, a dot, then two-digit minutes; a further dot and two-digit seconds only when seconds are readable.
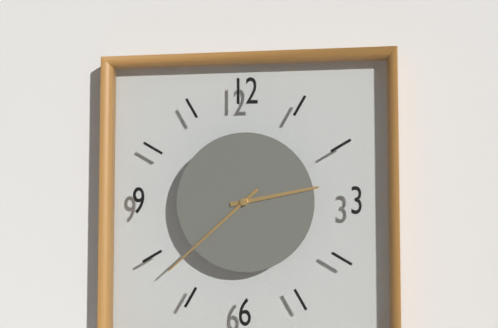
2.38
